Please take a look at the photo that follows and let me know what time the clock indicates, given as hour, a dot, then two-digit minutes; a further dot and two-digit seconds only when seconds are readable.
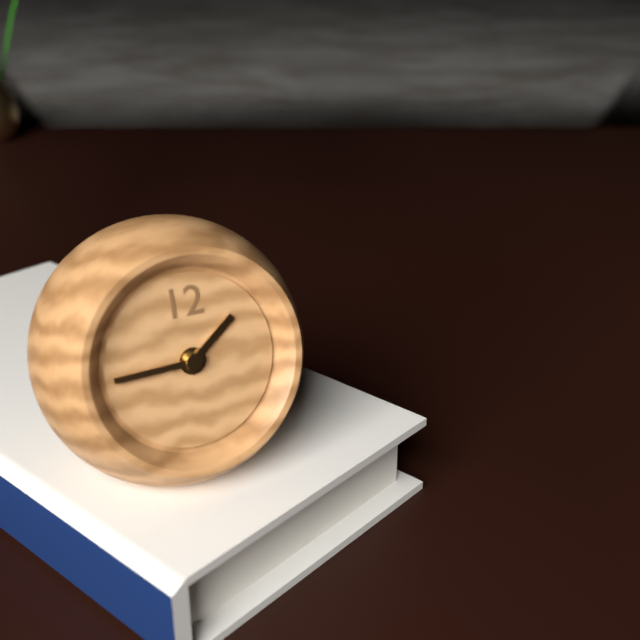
1.45
